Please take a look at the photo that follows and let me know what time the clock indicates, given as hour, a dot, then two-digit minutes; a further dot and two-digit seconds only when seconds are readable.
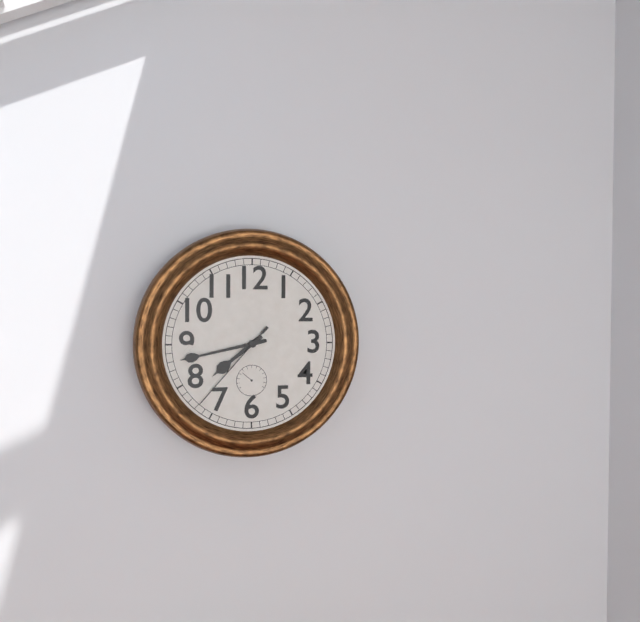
7.43.37
